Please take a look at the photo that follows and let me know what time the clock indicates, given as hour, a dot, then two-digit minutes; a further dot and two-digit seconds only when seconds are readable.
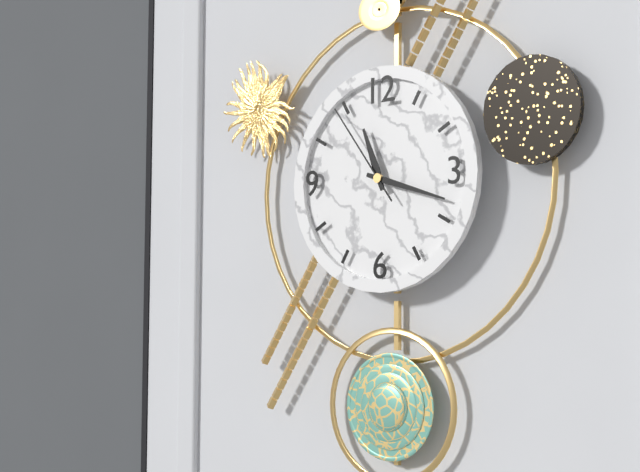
11.18.54
